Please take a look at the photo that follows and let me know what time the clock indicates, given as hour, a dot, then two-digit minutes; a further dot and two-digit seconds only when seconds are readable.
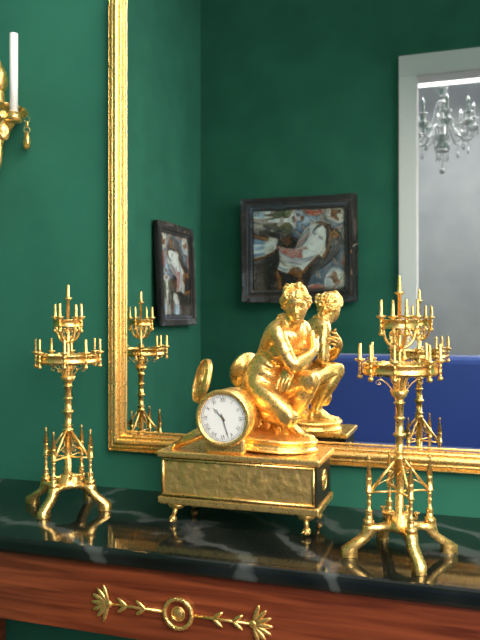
10.27
